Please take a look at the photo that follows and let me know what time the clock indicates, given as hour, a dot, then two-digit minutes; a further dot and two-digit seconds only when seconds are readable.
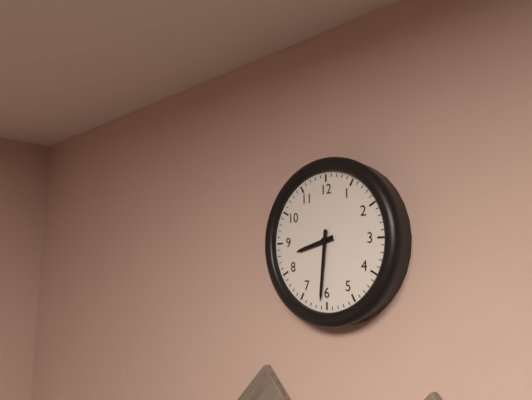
8.31
